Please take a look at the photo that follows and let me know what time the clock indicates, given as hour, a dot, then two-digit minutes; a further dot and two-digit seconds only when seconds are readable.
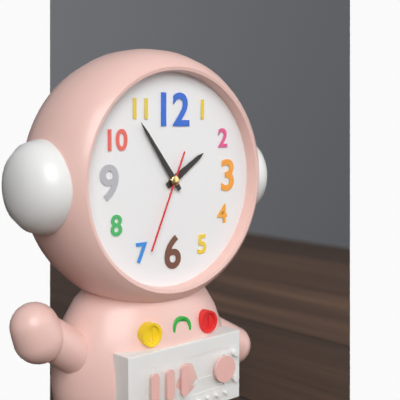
1.54.34
